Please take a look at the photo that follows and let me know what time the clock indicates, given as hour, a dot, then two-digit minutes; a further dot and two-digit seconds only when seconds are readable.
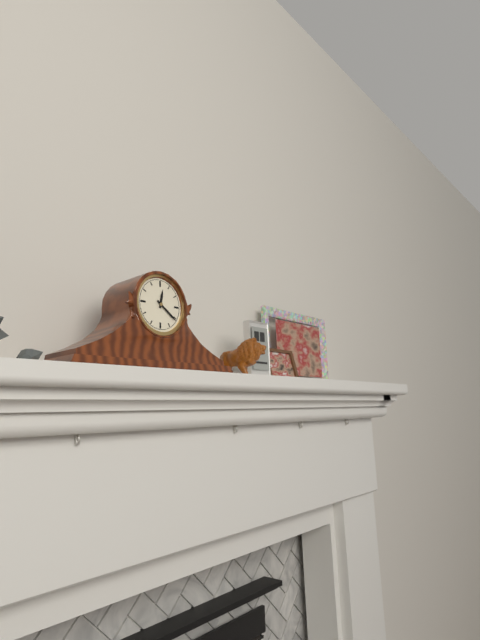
12.21
